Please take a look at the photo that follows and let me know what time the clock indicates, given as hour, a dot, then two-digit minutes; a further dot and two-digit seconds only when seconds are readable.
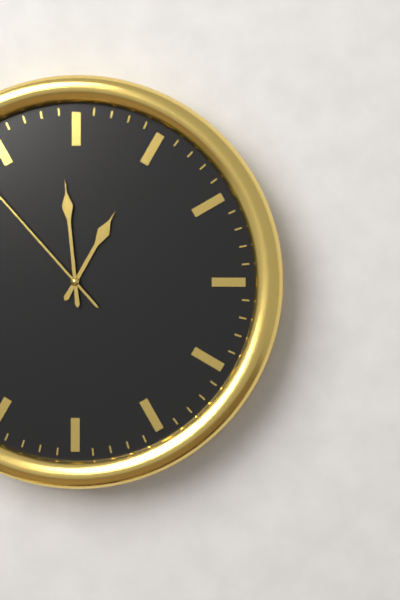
12.59
